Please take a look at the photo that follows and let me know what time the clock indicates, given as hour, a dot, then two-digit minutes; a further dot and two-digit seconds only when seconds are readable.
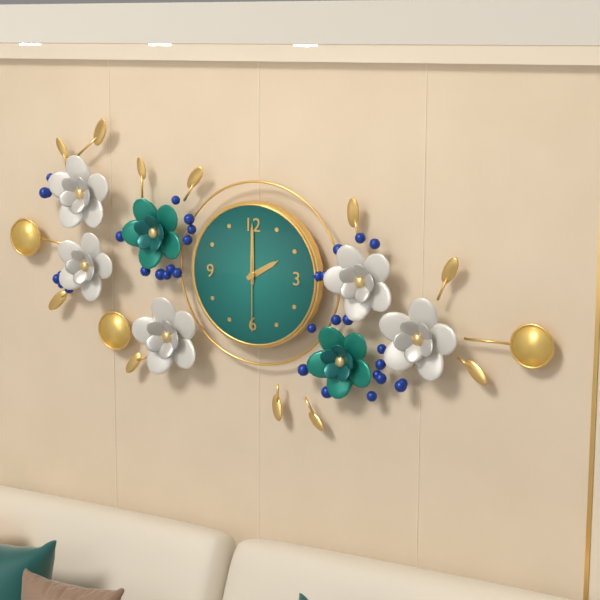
2.00.30
